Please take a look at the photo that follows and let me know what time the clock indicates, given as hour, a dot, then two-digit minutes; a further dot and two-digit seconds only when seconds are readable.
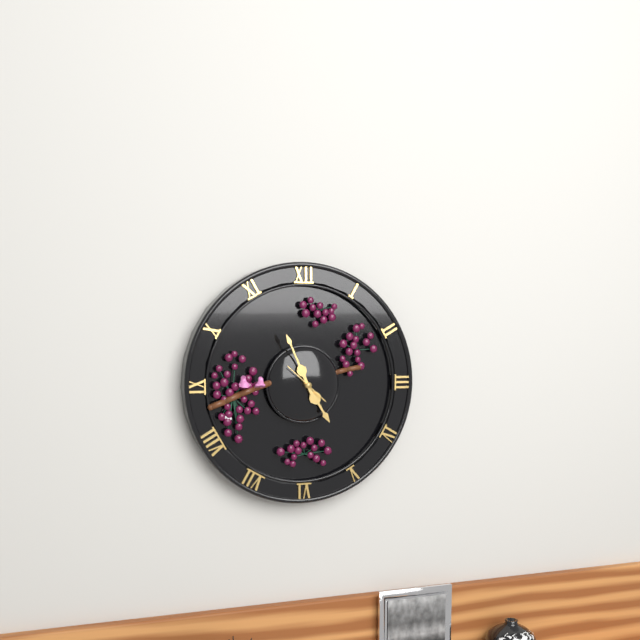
4.56
